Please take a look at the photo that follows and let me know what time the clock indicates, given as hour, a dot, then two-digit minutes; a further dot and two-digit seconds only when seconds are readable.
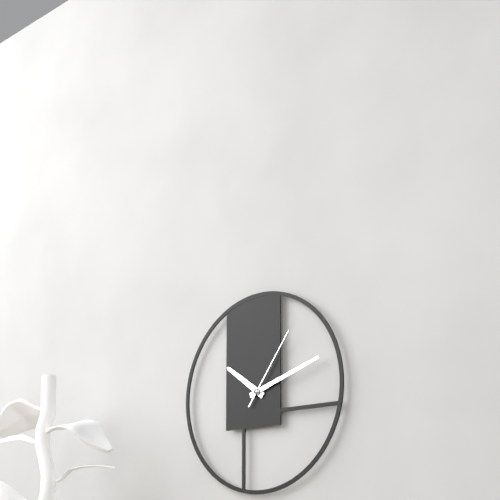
10.12.06
